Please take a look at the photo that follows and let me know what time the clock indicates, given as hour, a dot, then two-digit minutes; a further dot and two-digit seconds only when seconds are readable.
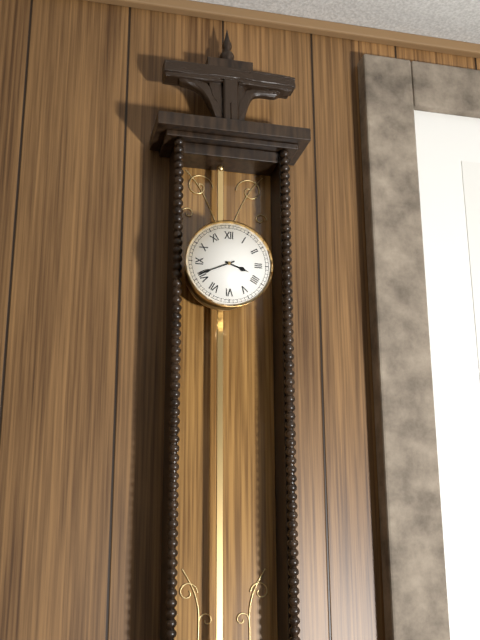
3.41
